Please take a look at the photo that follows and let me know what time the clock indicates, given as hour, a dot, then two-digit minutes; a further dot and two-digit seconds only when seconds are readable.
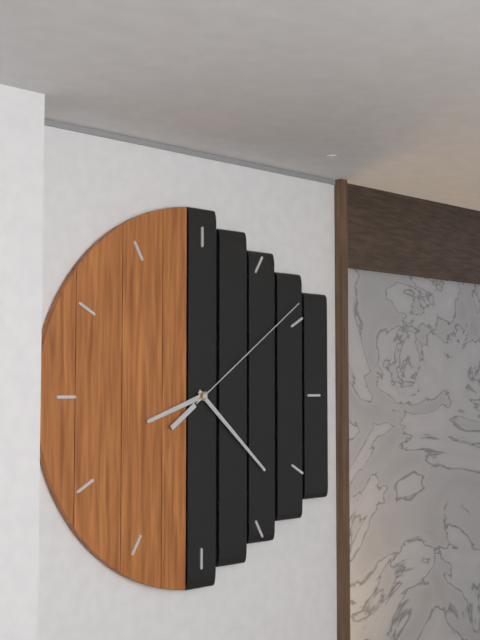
8.22.09
